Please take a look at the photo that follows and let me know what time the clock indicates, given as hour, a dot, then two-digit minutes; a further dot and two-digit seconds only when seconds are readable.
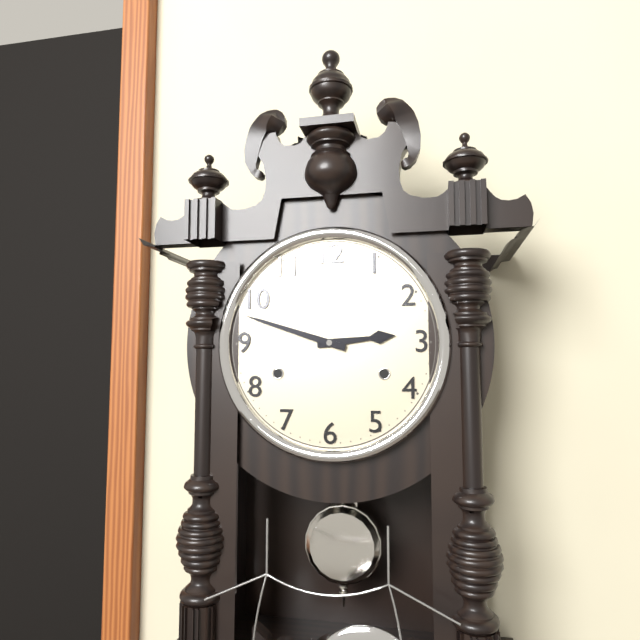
2.48
